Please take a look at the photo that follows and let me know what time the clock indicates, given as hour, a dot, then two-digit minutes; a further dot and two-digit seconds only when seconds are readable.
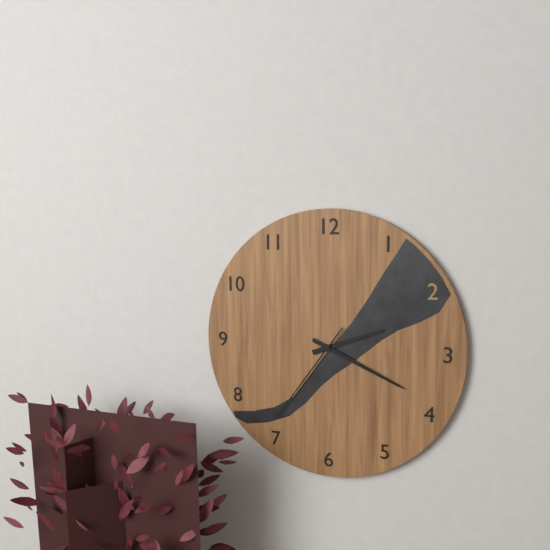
2.19.36
